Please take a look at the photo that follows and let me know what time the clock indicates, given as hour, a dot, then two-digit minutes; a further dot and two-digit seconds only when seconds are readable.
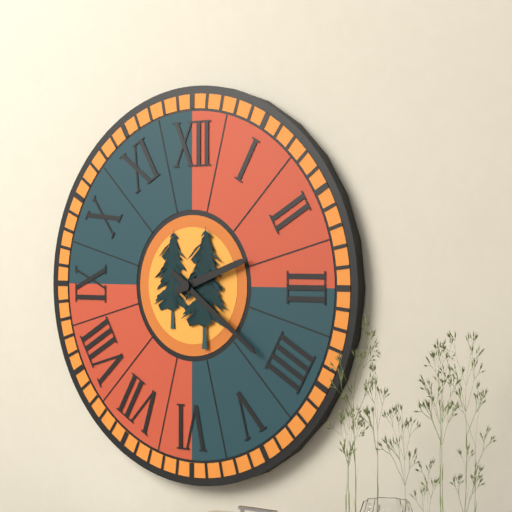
2.21
